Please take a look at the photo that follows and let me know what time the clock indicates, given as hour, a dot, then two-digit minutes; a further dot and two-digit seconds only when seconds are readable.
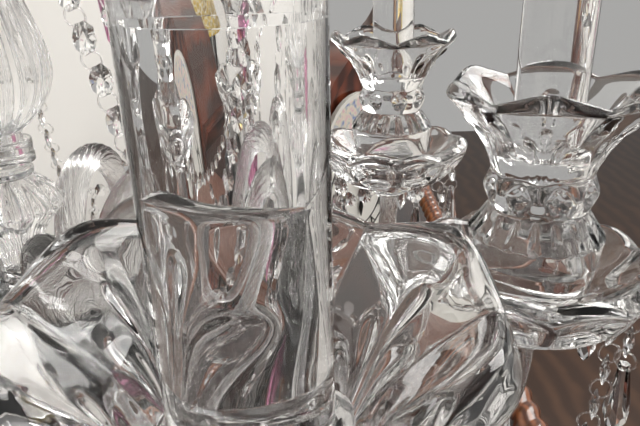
5.59
